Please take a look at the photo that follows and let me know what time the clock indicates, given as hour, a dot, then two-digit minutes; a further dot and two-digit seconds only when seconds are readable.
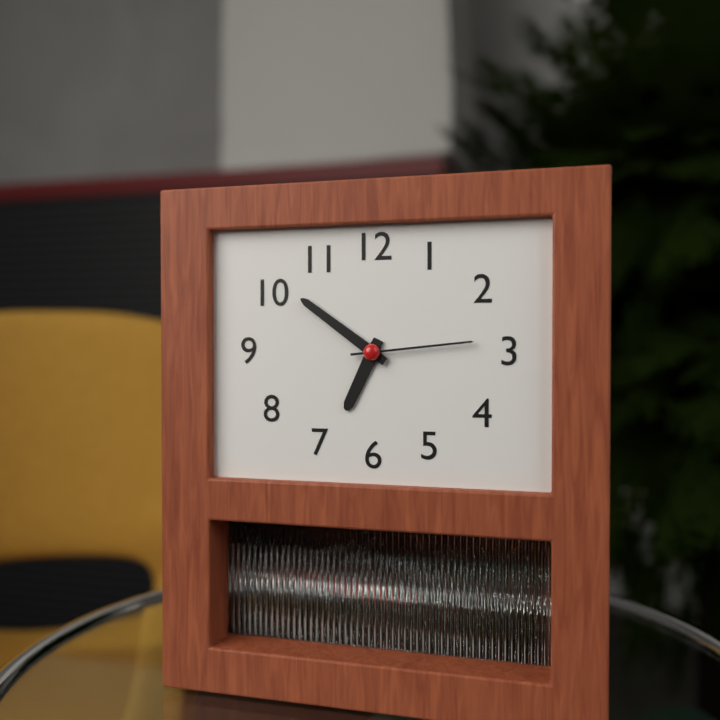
6.51.14
